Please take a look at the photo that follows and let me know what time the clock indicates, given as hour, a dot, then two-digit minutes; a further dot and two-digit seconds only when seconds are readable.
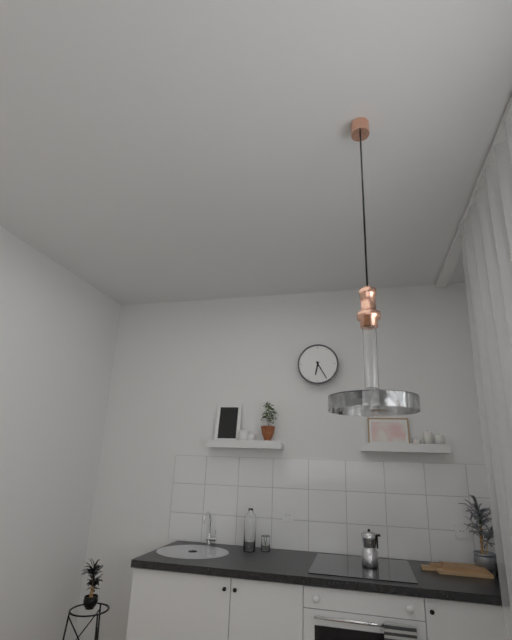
6.25
